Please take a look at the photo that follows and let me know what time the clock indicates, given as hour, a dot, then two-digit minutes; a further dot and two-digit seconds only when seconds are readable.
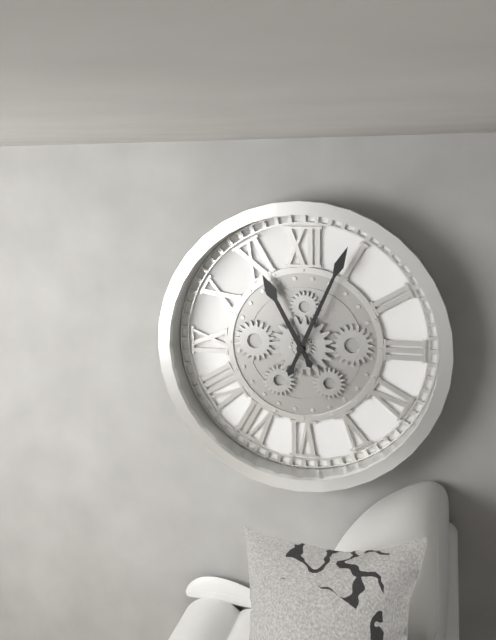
11.04
